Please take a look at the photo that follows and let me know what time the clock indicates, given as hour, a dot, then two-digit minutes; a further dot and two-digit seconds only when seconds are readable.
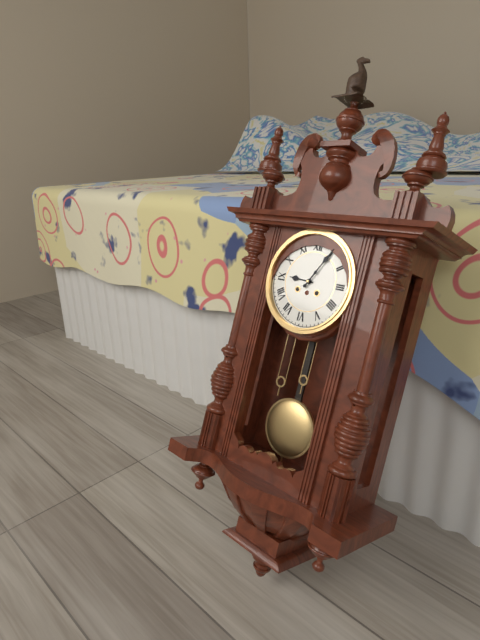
9.05
